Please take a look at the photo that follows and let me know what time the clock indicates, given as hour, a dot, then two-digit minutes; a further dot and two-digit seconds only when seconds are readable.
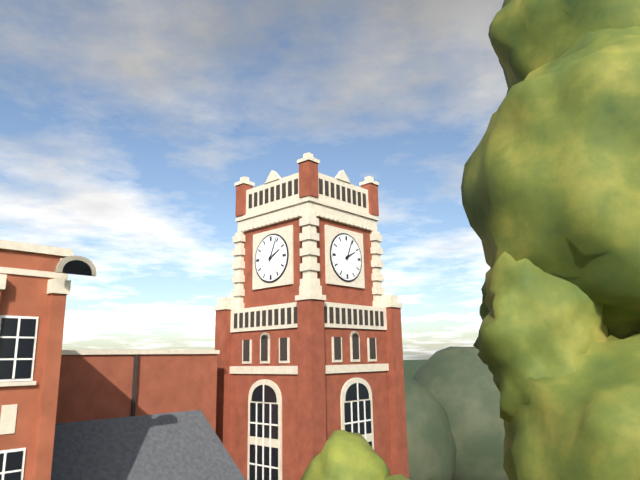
2.04
